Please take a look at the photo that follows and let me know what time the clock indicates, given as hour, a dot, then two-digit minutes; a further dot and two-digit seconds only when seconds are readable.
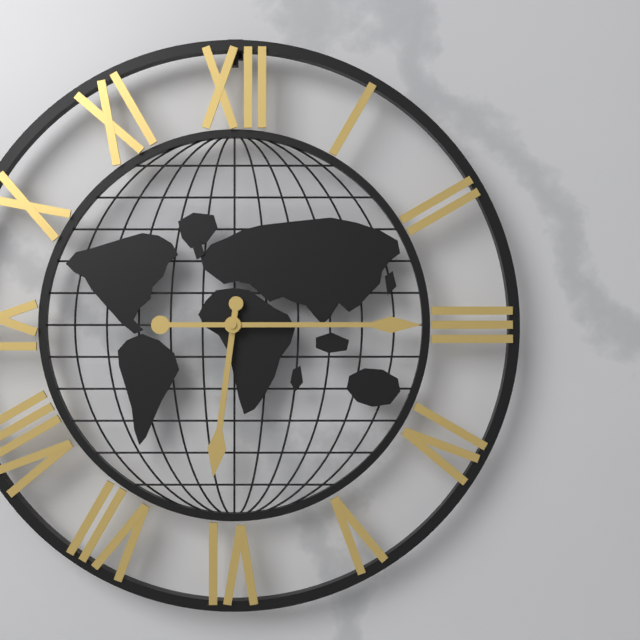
6.15
